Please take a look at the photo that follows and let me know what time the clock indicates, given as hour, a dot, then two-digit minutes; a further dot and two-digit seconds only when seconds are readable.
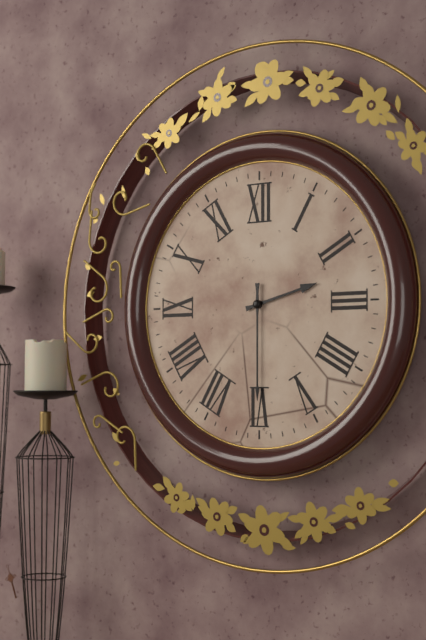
2.30
